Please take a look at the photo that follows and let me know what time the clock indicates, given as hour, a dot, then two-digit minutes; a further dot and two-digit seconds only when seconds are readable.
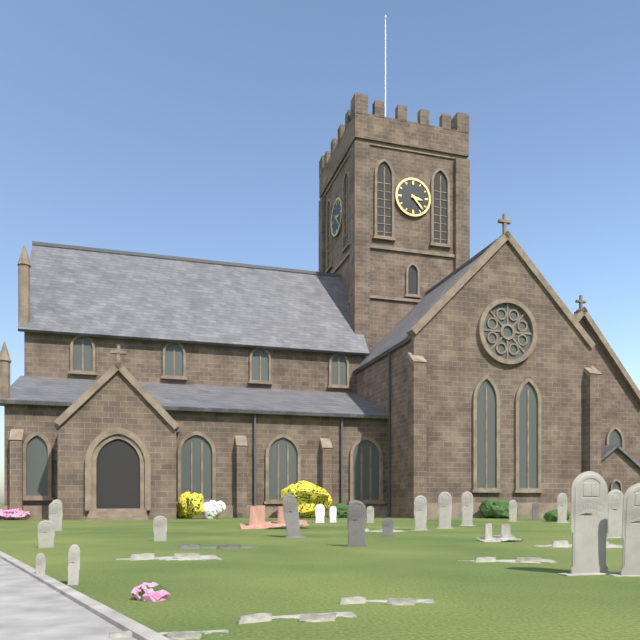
3.23
